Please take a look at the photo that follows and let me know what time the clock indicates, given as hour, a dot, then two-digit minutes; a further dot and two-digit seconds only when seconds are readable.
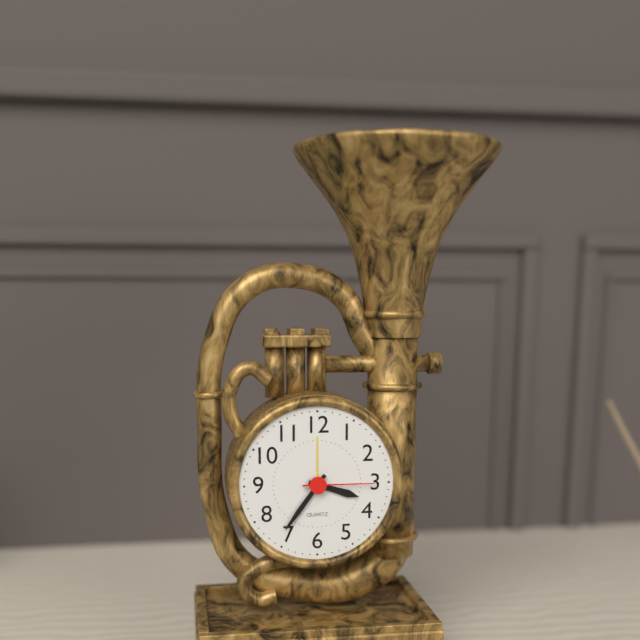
3.36.15
